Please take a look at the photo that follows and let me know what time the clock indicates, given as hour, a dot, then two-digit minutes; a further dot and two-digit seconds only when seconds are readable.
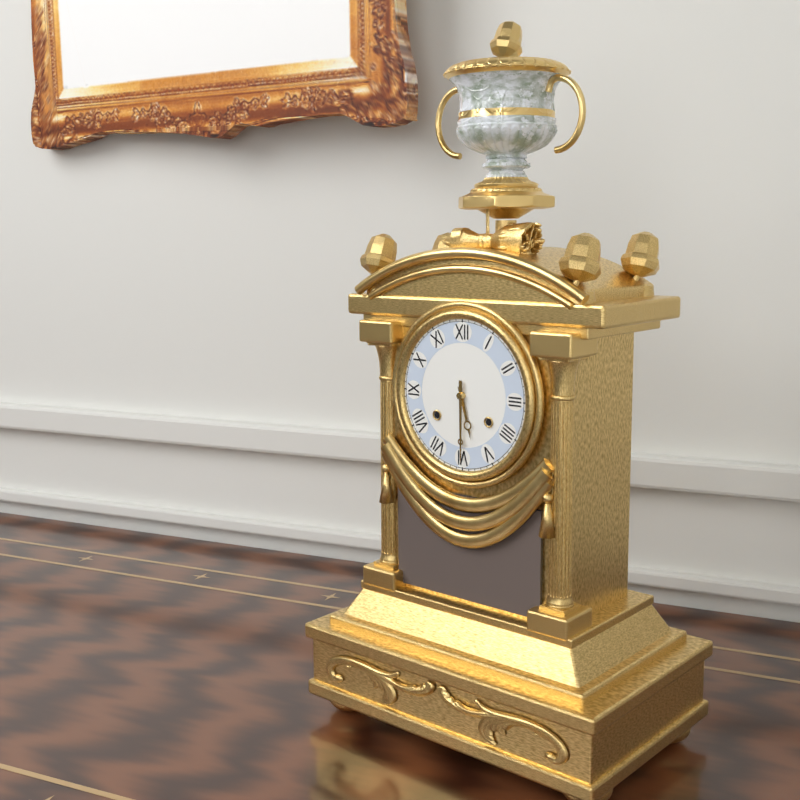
5.30
